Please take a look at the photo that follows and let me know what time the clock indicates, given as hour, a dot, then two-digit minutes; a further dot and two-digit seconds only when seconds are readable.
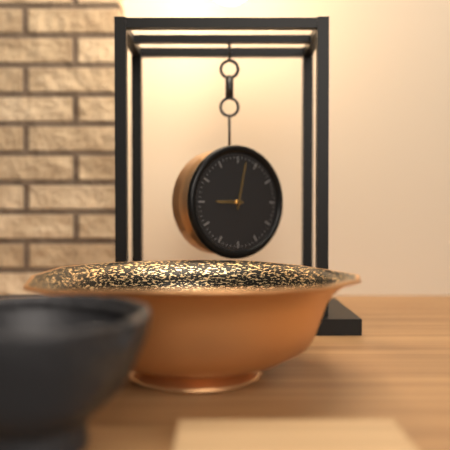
9.02
